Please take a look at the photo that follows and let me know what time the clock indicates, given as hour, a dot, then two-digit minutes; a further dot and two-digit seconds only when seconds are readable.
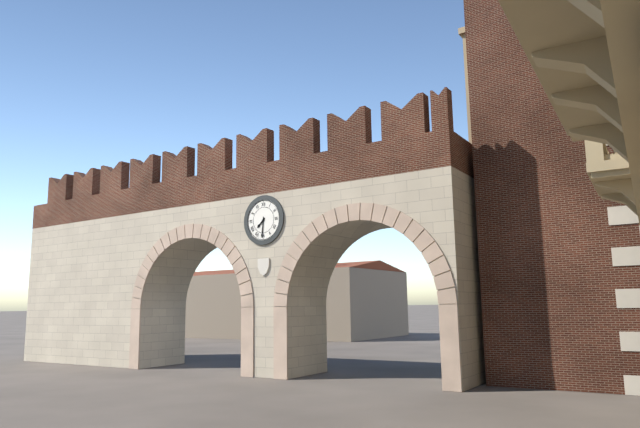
7.31
